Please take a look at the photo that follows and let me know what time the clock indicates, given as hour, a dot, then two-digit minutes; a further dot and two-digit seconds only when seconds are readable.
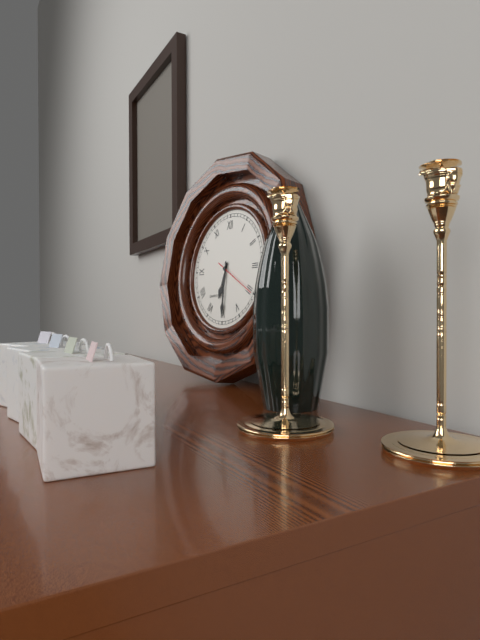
6.30
